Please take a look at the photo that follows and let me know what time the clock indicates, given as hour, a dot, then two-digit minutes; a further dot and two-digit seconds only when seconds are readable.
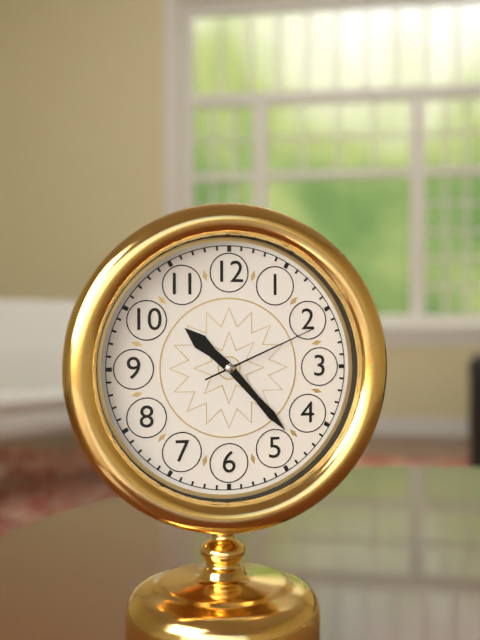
10.23.11
